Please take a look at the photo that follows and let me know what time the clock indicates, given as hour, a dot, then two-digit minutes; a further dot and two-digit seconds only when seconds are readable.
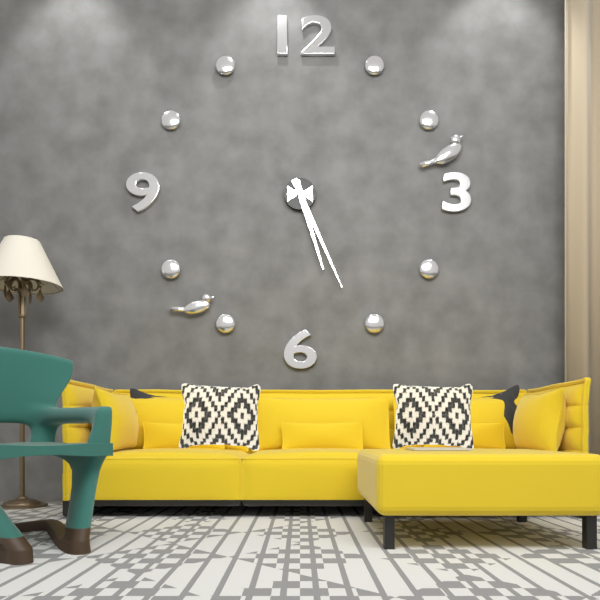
5.26
